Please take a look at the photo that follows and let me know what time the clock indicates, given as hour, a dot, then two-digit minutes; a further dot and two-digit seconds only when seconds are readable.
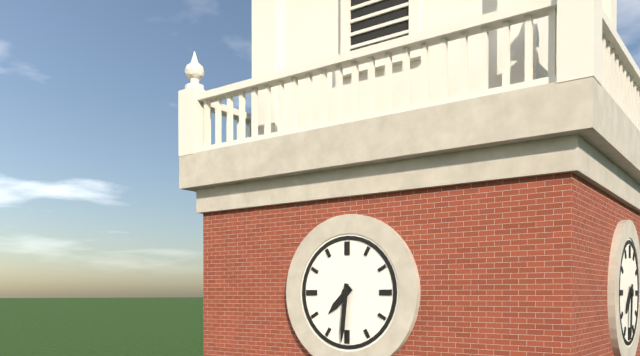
7.31
